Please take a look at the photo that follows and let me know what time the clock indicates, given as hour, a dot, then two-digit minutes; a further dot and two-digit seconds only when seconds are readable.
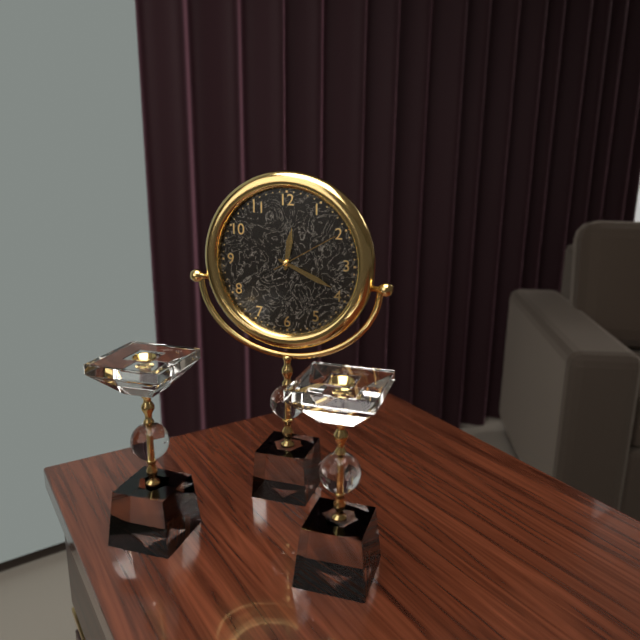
12.19.10
